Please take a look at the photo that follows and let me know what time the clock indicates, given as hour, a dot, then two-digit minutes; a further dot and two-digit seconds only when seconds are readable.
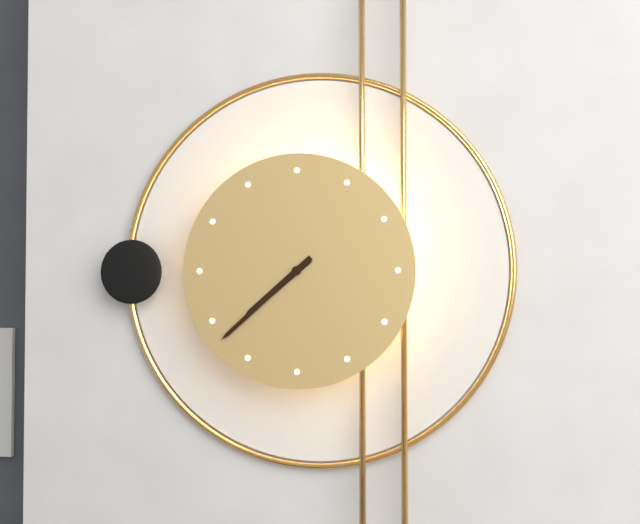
7.38
